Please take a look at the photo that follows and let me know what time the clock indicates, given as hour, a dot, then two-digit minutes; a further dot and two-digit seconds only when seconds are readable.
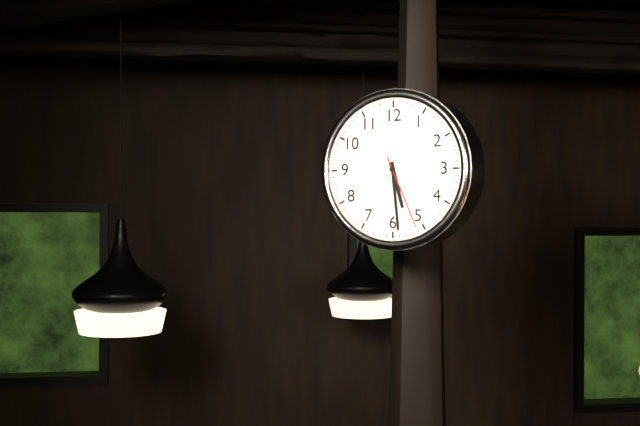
5.29.26
